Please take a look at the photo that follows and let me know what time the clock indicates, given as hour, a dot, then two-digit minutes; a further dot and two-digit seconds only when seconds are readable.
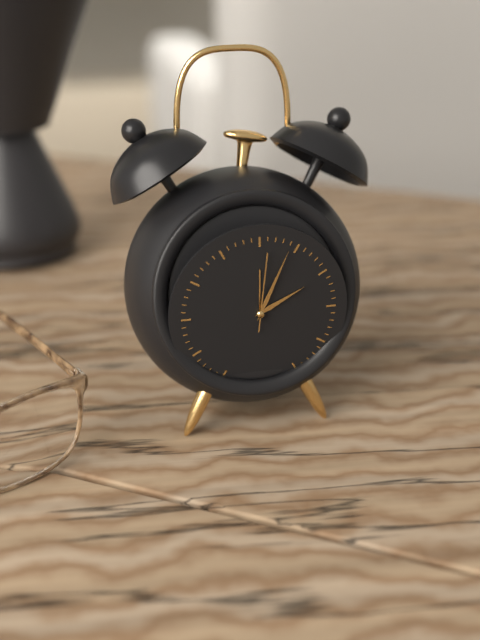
2.04.01
